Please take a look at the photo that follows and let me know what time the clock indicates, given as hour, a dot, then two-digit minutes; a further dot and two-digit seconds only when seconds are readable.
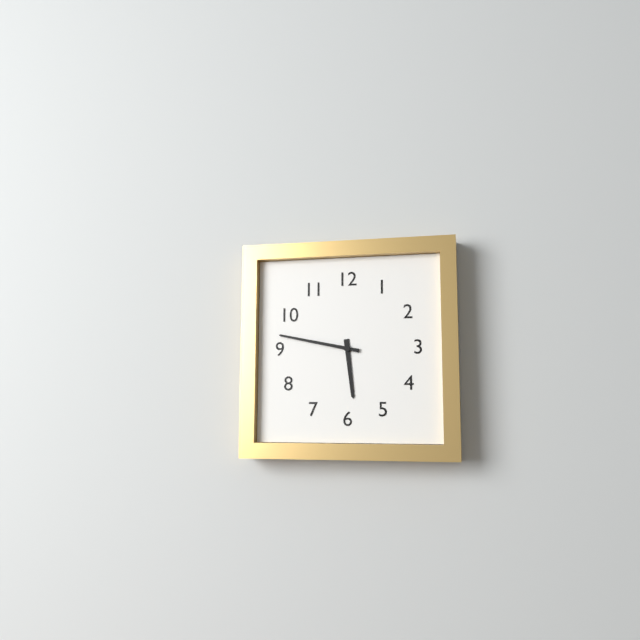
5.47
